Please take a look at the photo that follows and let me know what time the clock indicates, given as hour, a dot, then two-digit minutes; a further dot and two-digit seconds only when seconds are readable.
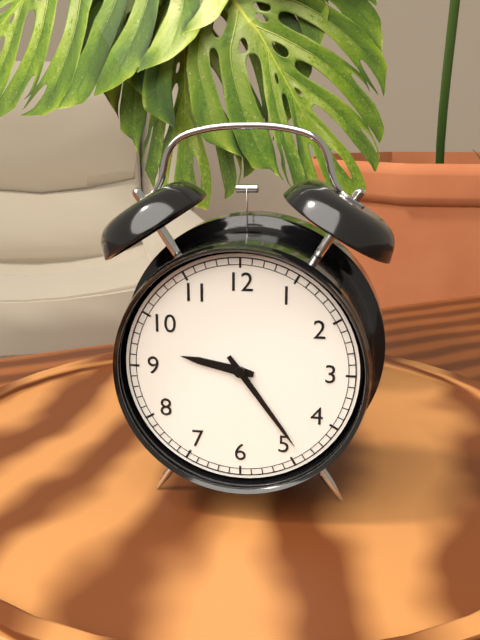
9.24
